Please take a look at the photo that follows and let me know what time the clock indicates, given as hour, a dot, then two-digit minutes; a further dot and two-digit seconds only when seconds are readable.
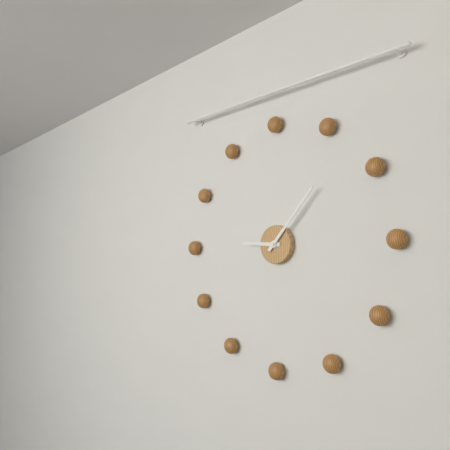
9.07
